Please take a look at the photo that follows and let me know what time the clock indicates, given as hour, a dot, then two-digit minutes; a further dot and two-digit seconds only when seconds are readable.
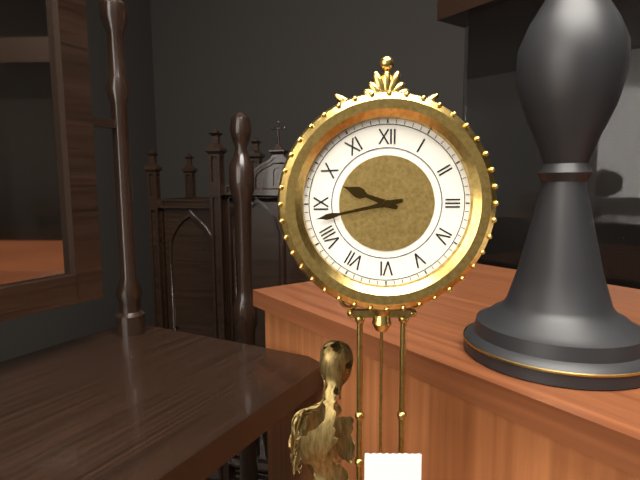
9.43
